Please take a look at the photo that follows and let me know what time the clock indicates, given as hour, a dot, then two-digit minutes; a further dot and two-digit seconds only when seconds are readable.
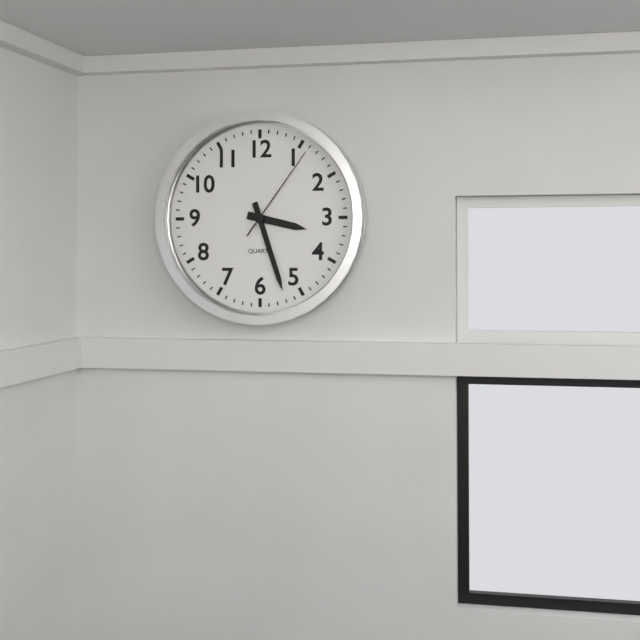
3.27.06
